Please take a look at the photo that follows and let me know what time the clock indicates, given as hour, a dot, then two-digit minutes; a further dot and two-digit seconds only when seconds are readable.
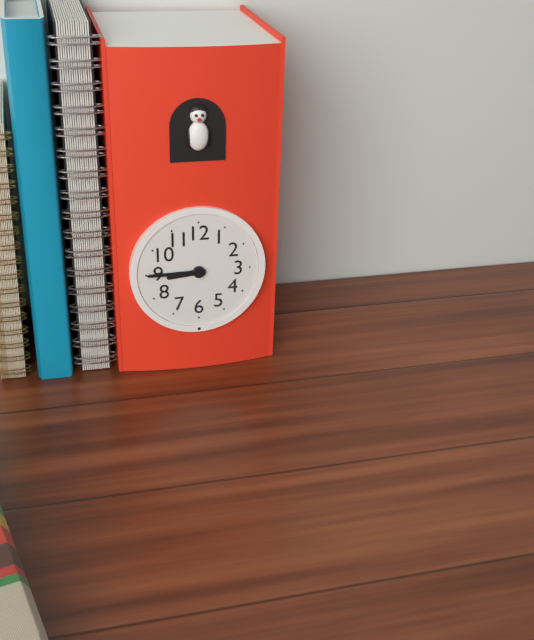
8.45
